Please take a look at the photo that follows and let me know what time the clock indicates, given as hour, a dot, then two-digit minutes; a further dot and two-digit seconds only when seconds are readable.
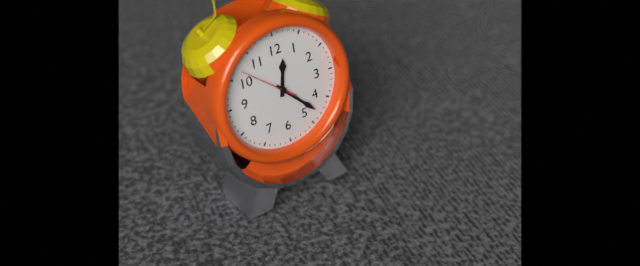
12.23.52
